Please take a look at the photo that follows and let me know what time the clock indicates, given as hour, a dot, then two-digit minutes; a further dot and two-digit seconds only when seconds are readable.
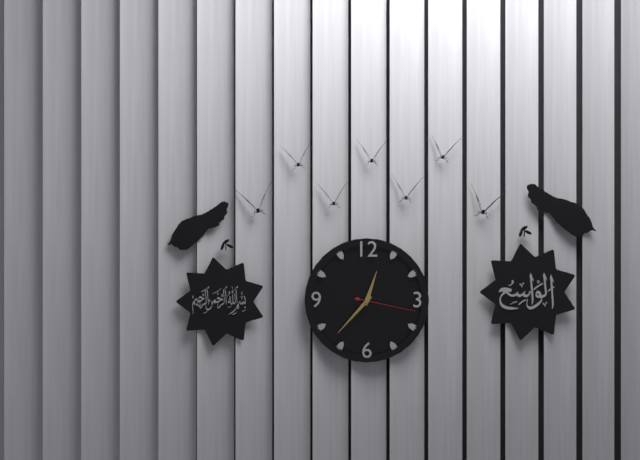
12.37.17
